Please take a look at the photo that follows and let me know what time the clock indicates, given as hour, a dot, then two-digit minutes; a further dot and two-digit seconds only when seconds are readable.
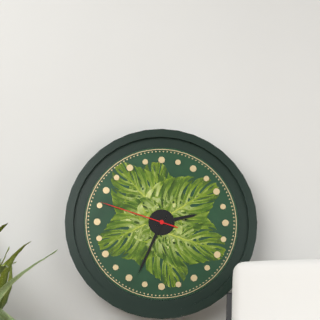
2.34.48
